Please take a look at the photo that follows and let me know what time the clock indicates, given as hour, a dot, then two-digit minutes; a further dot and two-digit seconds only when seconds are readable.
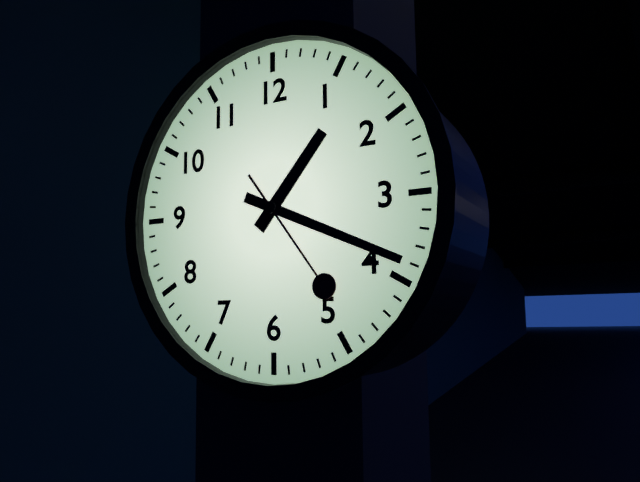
1.19.24
